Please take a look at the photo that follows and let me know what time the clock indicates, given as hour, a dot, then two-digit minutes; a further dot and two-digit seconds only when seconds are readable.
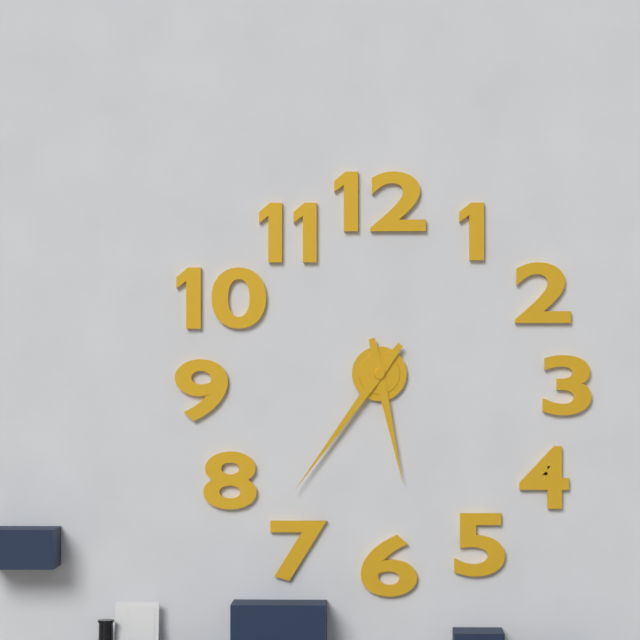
5.36
